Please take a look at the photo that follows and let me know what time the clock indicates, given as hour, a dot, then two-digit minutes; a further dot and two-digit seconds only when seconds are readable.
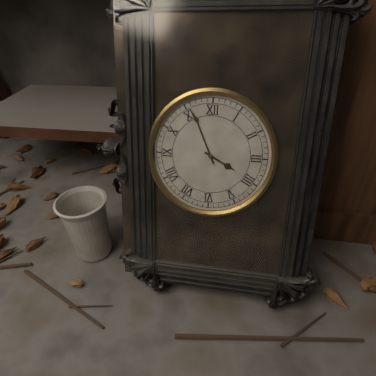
3.56
